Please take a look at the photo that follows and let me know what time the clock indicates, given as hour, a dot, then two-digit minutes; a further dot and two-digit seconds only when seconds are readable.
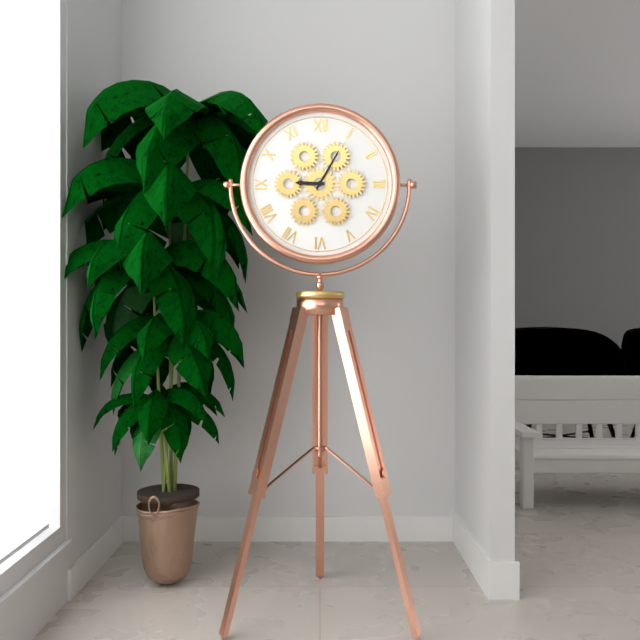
9.05
